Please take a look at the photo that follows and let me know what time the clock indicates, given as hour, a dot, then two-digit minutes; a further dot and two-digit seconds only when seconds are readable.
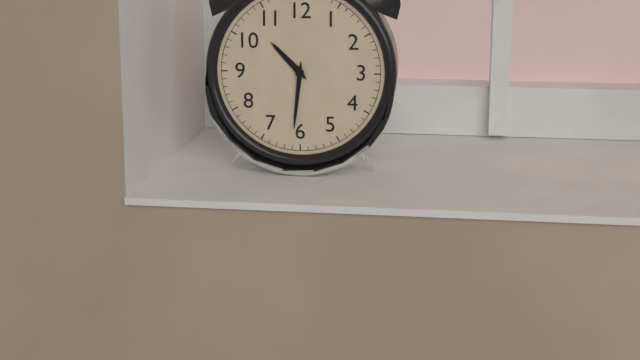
10.31
